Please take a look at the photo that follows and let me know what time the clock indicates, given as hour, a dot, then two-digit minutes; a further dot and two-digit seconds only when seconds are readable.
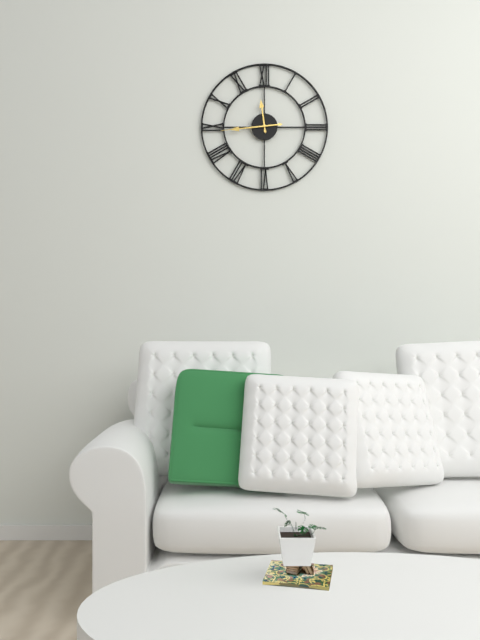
11.44
